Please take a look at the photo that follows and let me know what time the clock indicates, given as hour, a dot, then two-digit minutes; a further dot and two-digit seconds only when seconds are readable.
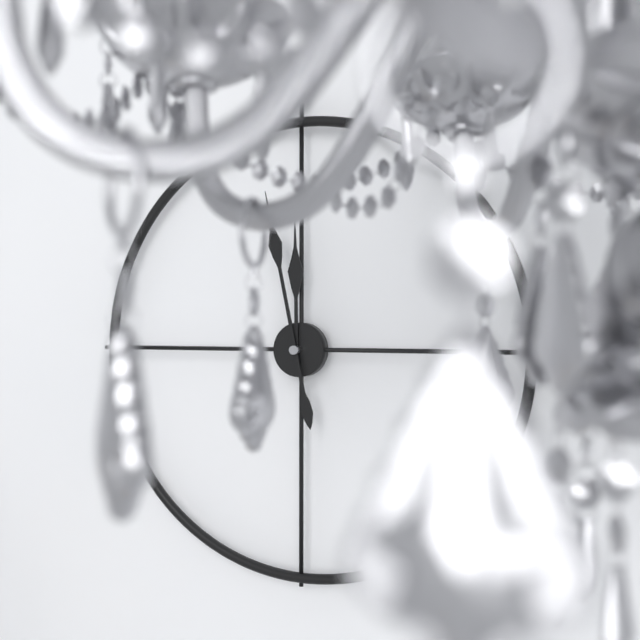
11.58
